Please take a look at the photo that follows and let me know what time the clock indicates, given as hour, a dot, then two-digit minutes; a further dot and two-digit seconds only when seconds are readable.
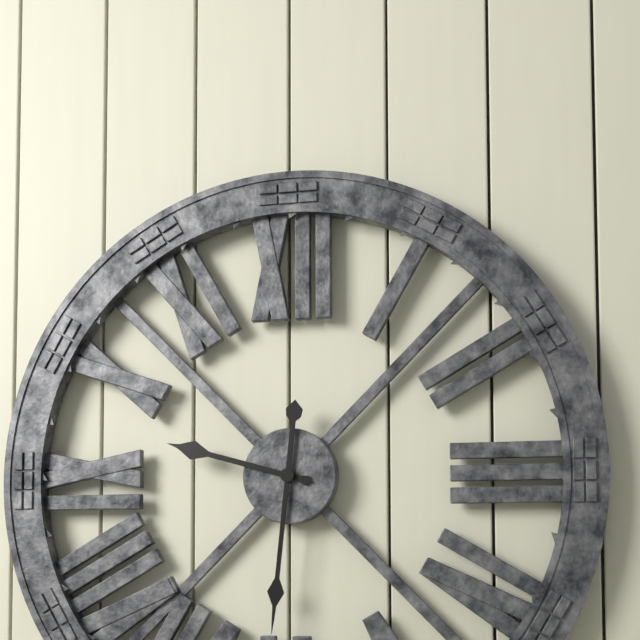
9.31
